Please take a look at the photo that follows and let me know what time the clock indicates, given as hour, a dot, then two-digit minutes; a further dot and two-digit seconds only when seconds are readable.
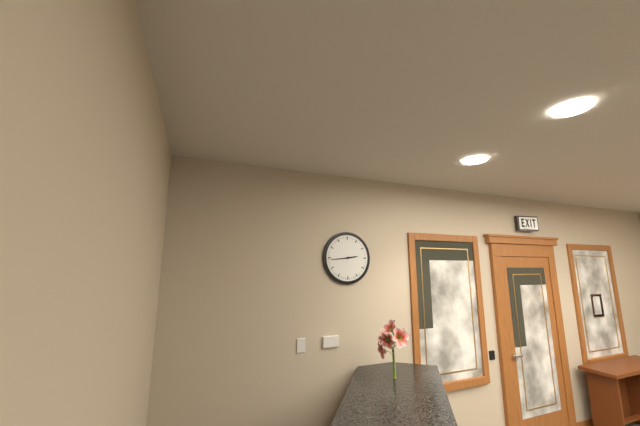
2.44
